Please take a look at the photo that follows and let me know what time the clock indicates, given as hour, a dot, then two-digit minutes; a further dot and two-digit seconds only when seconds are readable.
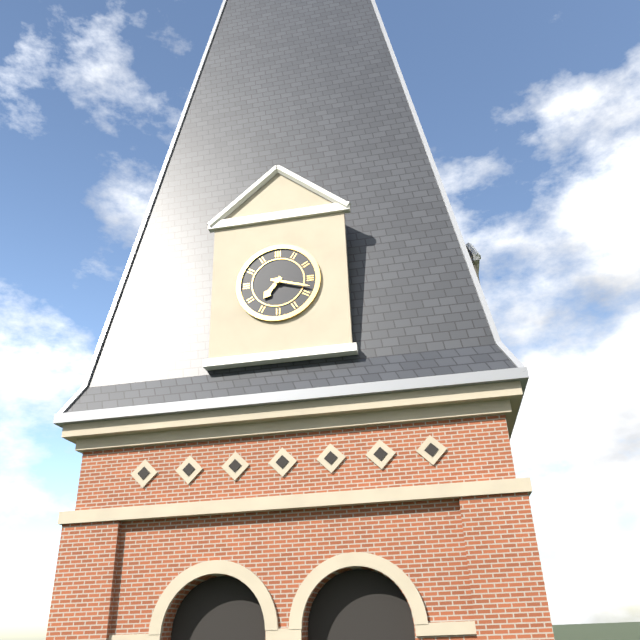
7.18
